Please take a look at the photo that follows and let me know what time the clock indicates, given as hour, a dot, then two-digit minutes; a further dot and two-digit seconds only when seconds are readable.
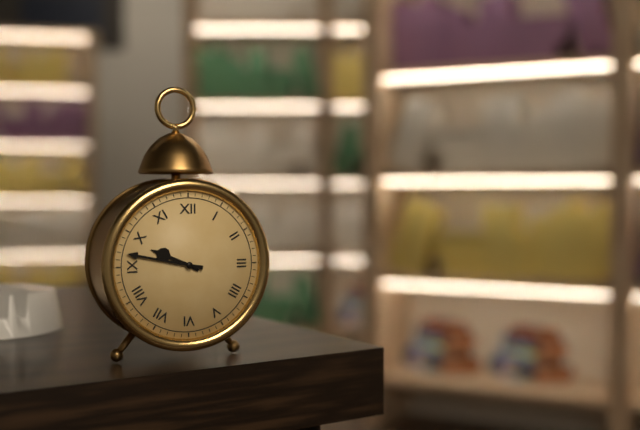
9.47
